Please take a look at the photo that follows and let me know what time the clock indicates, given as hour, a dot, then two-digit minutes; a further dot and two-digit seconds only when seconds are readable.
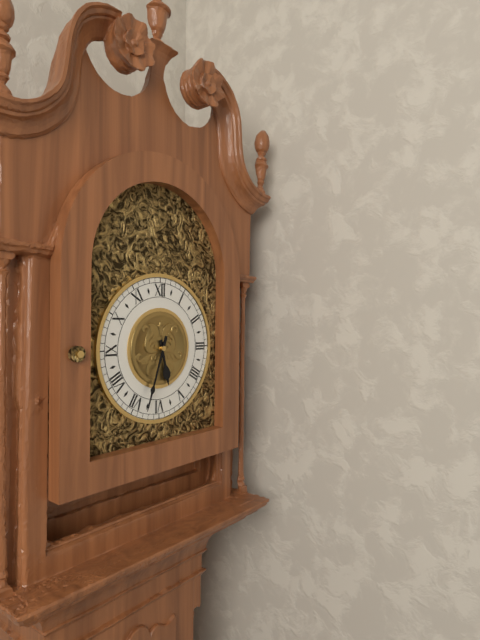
5.33
